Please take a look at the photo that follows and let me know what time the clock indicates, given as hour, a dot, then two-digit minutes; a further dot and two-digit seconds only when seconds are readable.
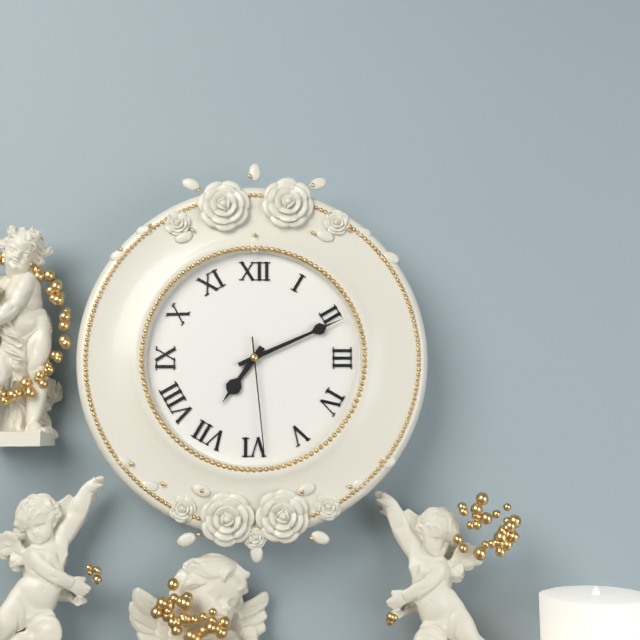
7.11.29
